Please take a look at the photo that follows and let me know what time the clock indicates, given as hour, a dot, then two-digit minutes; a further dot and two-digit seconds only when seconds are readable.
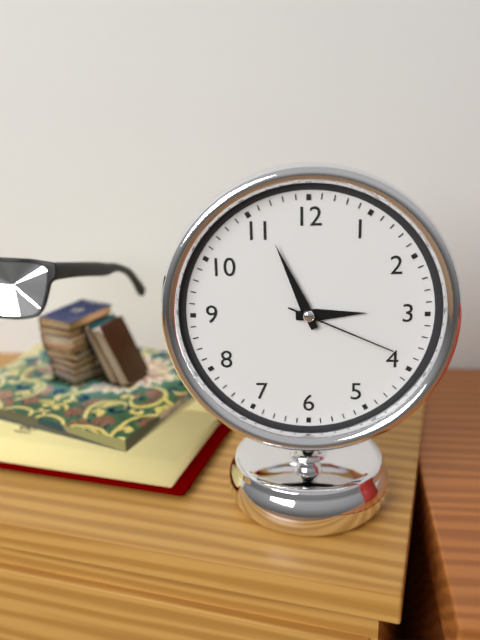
2.56.19
